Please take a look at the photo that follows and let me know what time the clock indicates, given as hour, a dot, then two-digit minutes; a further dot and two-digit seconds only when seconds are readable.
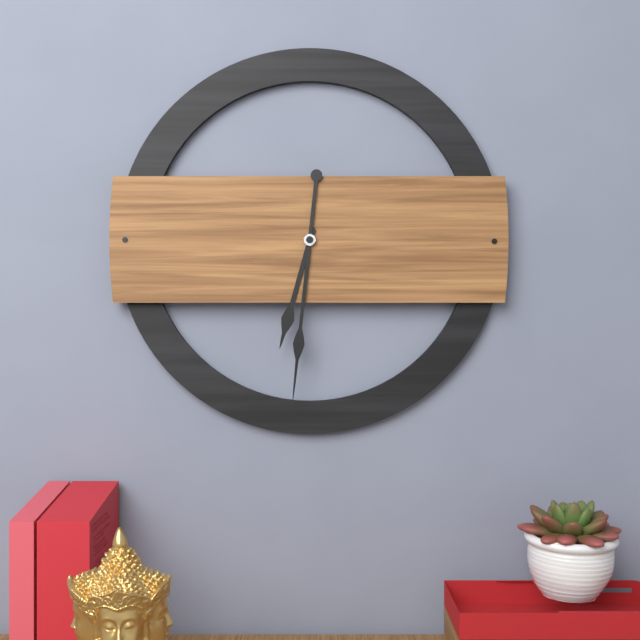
6.31
